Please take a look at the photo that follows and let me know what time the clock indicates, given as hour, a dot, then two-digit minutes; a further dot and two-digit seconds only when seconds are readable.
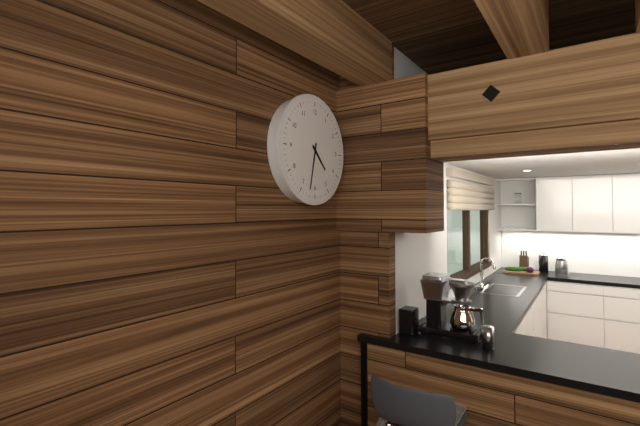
4.32
